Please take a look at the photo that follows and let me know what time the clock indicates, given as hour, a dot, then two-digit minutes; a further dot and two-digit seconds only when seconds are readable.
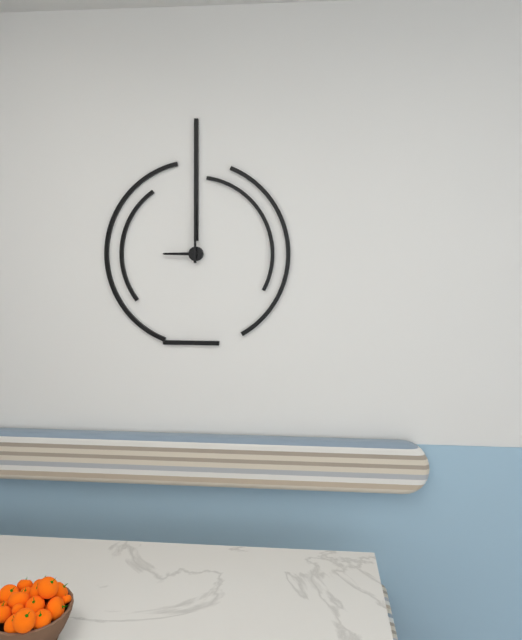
9.00
